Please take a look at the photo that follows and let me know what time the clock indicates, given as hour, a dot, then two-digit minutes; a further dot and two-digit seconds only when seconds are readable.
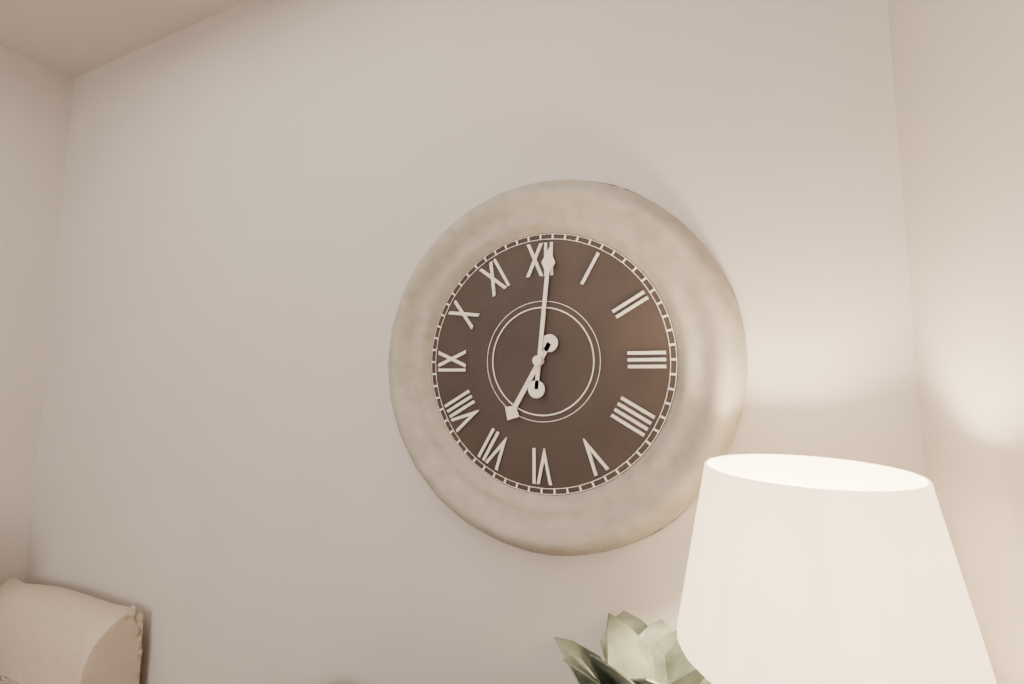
7.01
